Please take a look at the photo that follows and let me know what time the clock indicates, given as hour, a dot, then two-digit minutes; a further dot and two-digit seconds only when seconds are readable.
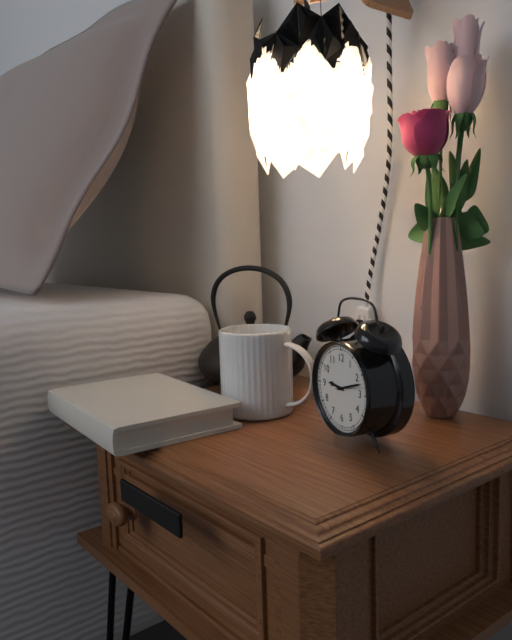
9.12
